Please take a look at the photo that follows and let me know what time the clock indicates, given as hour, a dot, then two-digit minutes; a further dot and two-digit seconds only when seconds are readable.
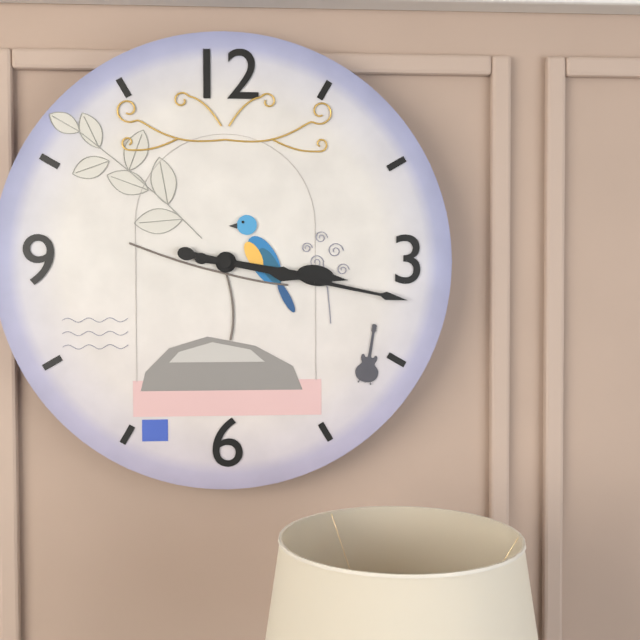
3.17
